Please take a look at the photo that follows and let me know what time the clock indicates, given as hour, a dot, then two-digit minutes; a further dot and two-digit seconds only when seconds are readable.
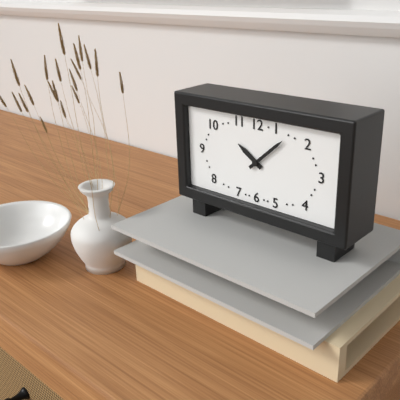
10.08
